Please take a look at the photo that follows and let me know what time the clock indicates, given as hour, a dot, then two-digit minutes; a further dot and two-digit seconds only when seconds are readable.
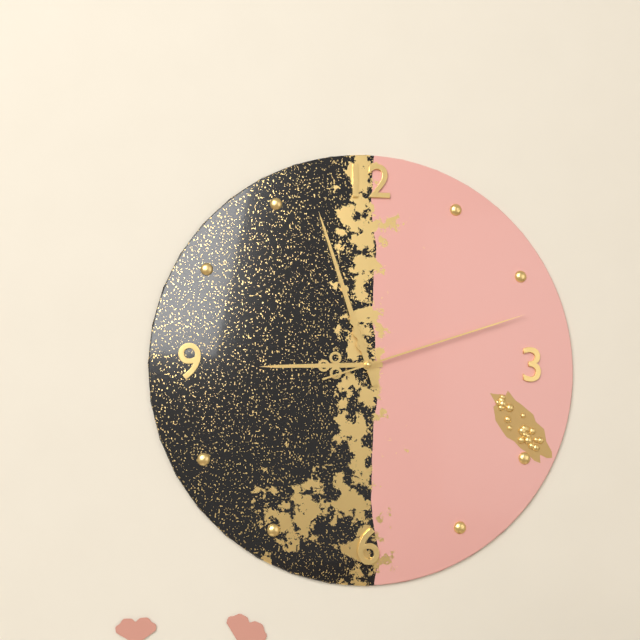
8.57.12
